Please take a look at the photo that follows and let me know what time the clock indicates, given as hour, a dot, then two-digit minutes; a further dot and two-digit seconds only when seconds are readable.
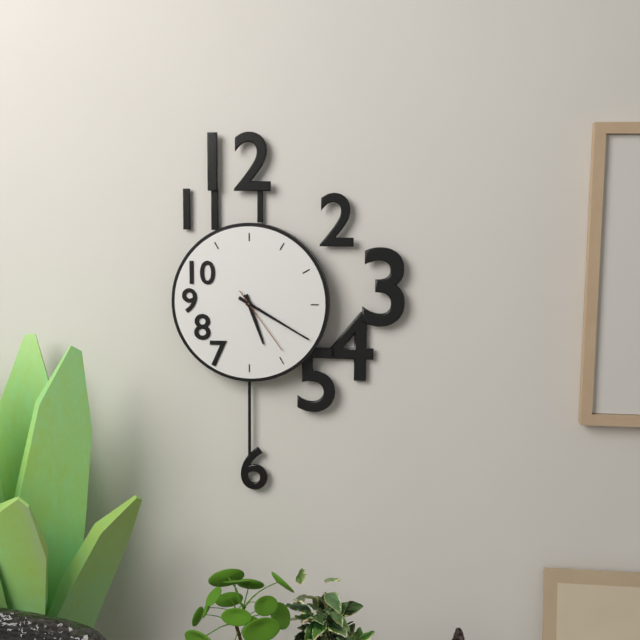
5.20.24
